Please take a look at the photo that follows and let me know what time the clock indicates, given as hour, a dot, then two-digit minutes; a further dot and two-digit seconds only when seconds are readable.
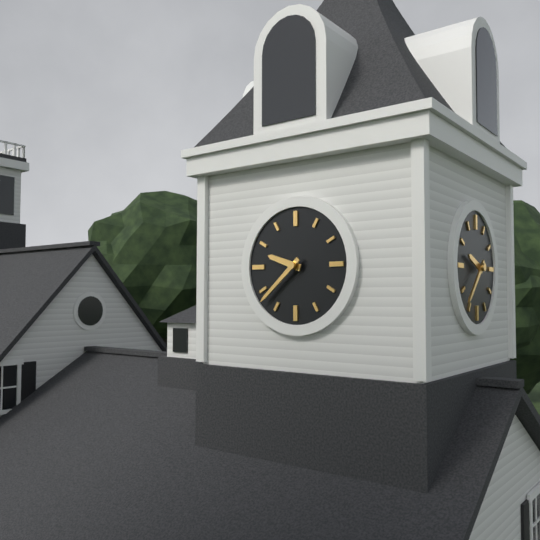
9.38
